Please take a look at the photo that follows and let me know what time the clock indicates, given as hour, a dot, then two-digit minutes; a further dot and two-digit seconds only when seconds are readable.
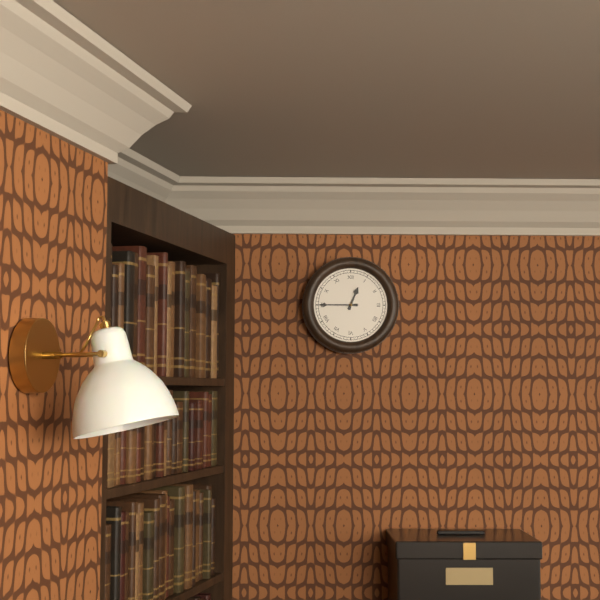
12.45
